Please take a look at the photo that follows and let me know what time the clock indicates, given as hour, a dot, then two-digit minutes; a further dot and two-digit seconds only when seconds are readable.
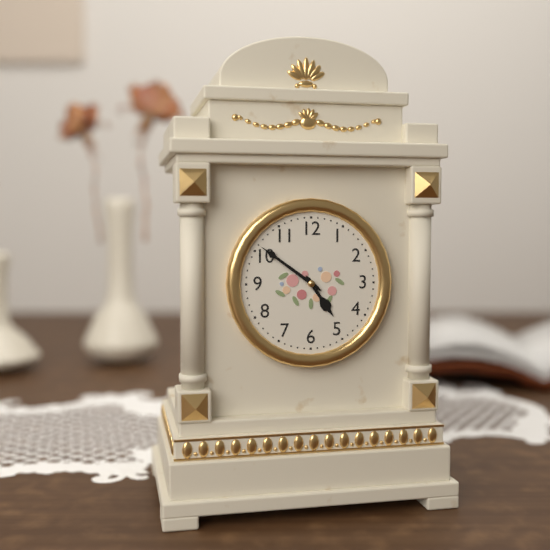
4.51
